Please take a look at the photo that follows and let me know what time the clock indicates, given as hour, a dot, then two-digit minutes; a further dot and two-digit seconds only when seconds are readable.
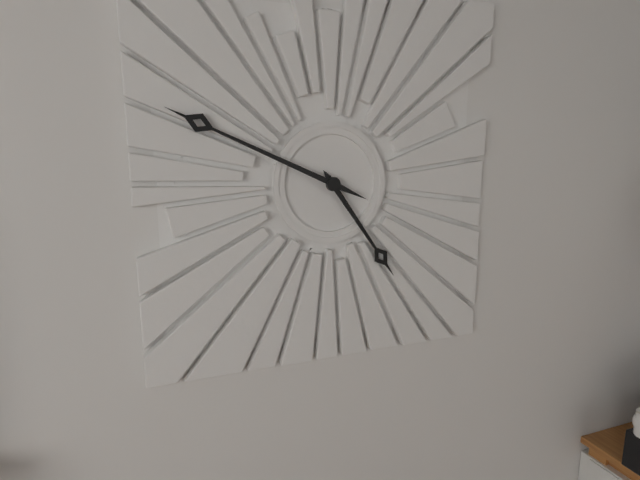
4.49
